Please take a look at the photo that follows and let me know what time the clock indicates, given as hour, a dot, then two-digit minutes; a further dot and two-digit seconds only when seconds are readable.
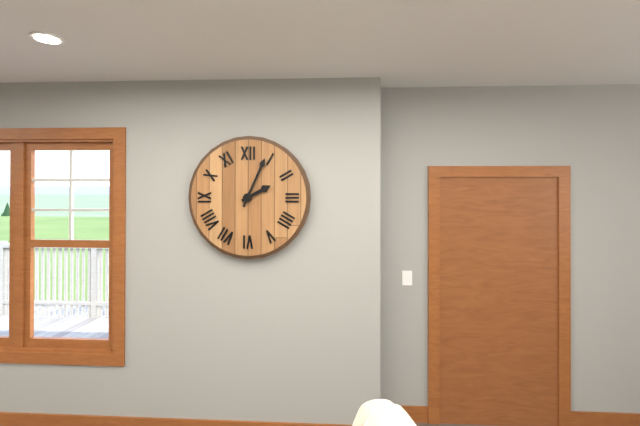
2.04
